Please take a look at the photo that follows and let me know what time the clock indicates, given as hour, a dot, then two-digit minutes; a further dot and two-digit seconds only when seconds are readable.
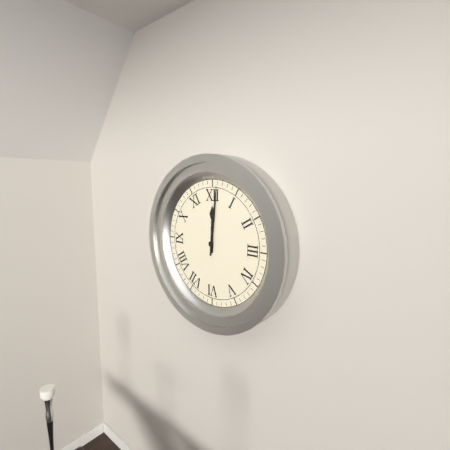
12.01
